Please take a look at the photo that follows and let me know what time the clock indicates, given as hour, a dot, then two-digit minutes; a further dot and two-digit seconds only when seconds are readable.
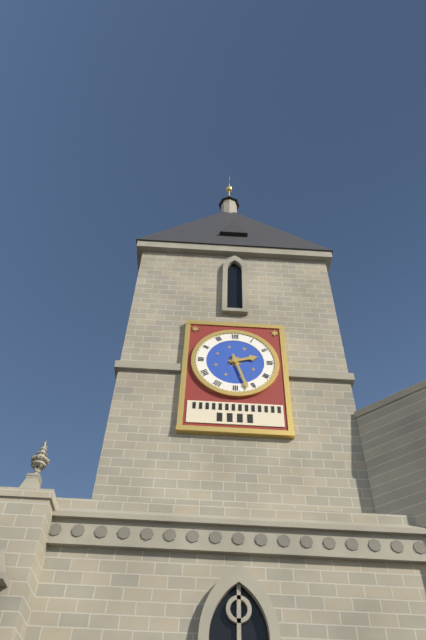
2.27
